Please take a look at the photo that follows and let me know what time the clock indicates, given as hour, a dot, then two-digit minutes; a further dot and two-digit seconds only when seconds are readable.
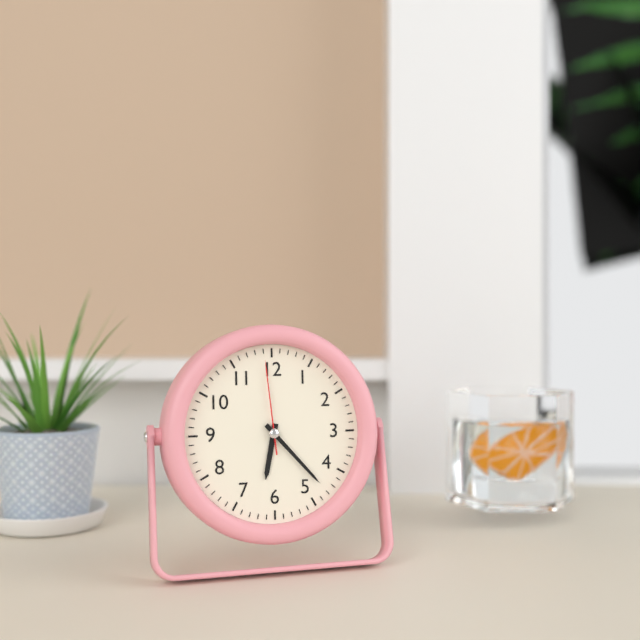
6.23.59
